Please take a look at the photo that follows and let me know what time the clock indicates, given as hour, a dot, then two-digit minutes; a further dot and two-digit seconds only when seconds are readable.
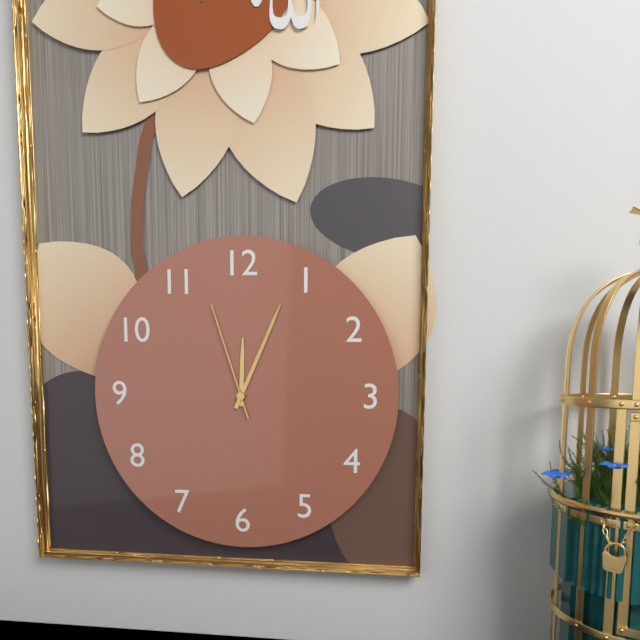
12.04.57
